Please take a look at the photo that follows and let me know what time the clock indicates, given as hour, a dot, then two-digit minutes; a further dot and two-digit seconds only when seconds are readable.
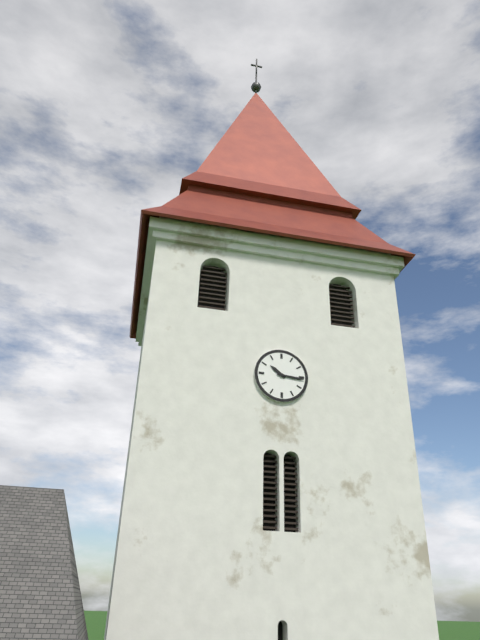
10.16
